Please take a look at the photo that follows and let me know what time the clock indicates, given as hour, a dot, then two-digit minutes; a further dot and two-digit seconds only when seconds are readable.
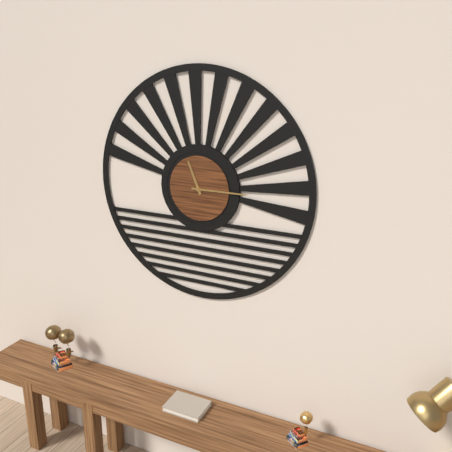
11.15
